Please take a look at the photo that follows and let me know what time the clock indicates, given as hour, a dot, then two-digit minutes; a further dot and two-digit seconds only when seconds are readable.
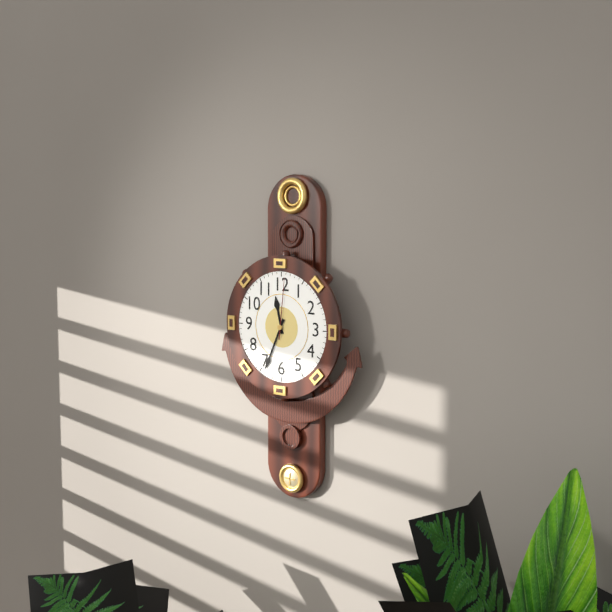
11.34.01
